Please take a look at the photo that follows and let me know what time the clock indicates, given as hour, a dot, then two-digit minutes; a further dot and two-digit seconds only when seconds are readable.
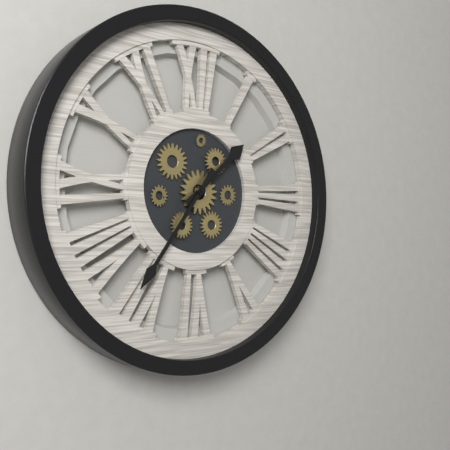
1.36
